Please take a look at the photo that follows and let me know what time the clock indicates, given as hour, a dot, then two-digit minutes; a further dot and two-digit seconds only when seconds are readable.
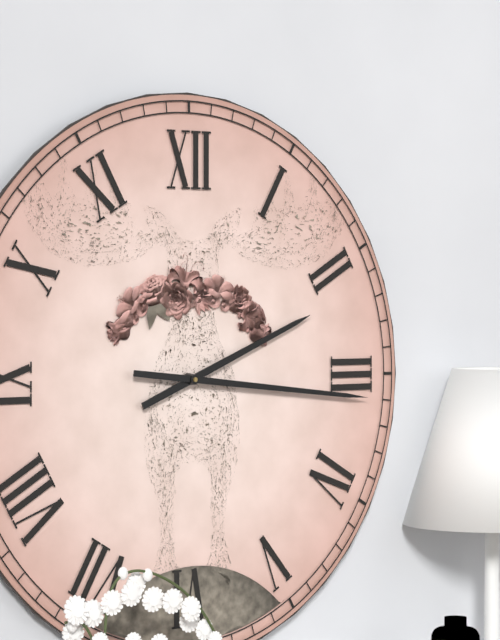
2.16
